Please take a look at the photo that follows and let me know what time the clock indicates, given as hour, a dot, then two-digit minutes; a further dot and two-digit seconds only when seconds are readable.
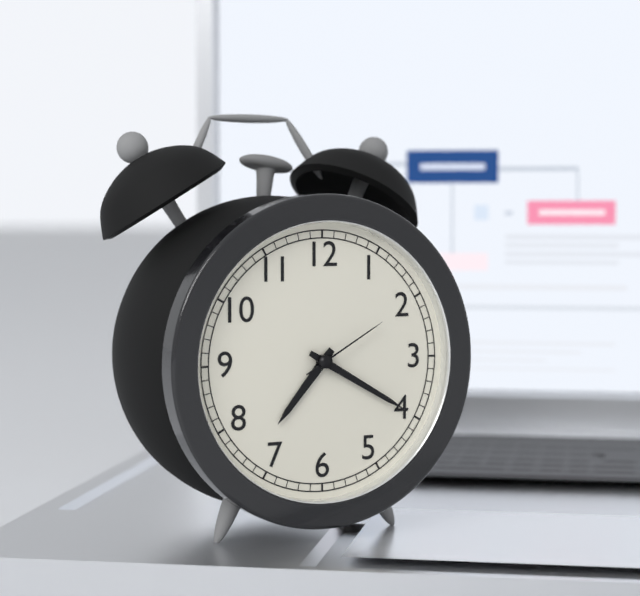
7.20.10
